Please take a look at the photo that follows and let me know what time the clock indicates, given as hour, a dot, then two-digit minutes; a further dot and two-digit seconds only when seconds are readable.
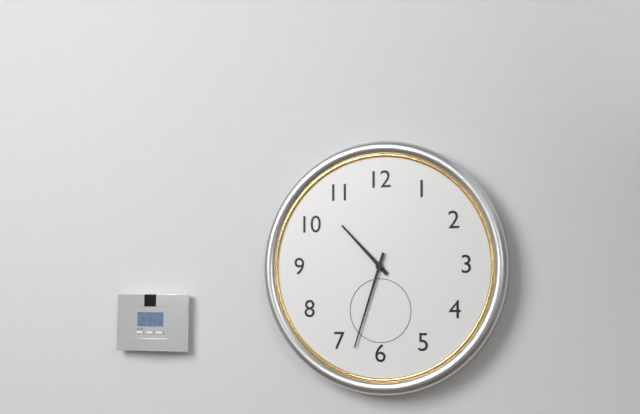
10.33
